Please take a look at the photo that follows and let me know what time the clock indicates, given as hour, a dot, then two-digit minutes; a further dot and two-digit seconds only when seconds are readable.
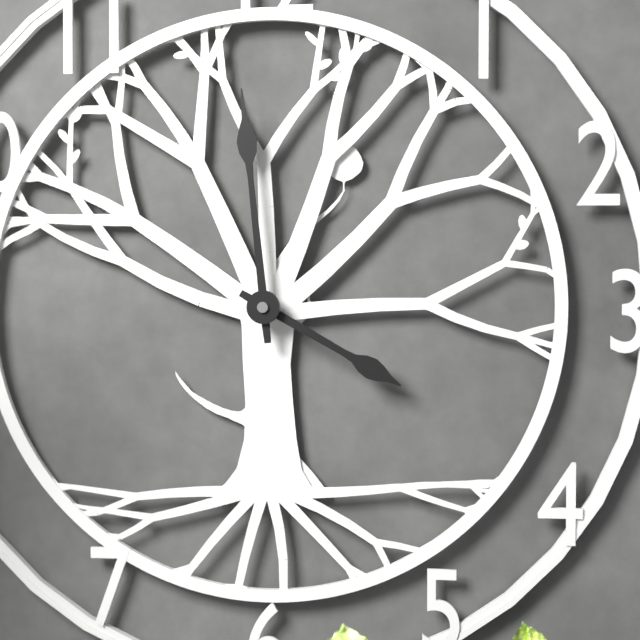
3.59
